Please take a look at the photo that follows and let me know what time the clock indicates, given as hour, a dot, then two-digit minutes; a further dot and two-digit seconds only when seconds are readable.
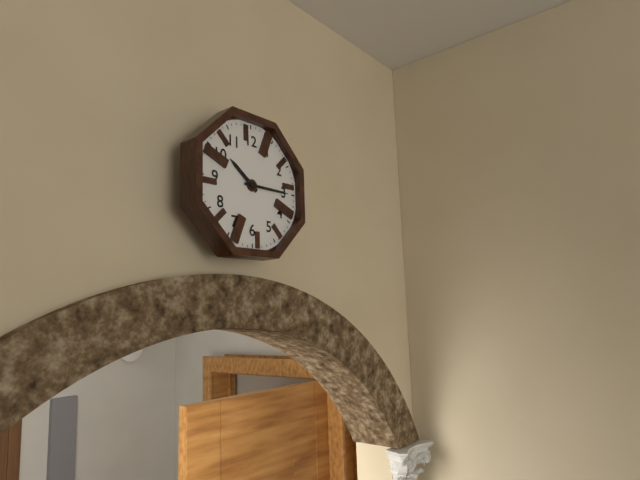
10.15
